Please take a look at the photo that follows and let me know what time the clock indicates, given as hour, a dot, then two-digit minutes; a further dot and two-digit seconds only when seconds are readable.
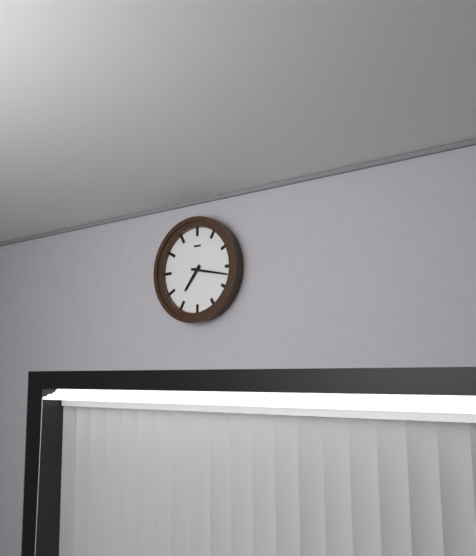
7.17
